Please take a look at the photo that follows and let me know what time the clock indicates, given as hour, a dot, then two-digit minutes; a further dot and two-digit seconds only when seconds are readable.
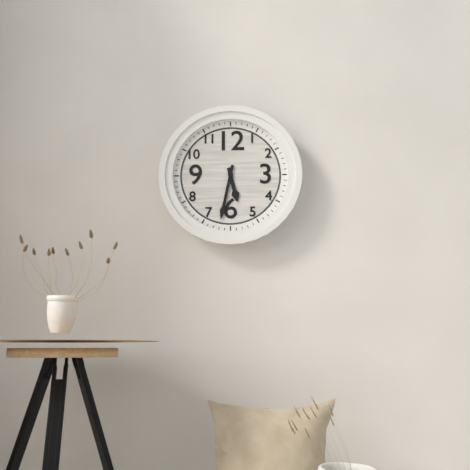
5.32
